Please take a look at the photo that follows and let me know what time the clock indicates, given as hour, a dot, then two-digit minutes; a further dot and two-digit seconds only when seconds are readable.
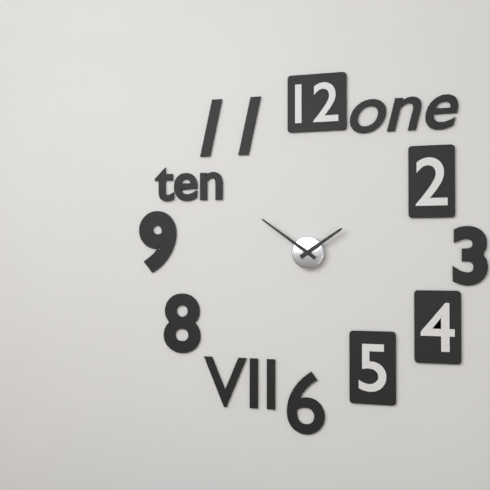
1.51
